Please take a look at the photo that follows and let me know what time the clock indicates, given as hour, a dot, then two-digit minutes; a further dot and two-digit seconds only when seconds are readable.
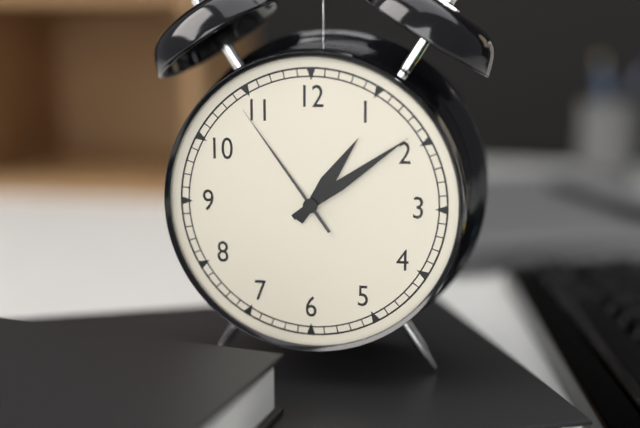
1.09.54
